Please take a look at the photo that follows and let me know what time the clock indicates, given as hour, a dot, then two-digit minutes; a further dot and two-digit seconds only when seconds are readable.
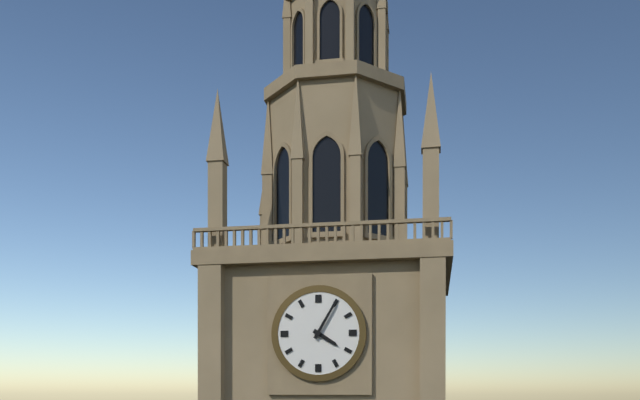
4.05
